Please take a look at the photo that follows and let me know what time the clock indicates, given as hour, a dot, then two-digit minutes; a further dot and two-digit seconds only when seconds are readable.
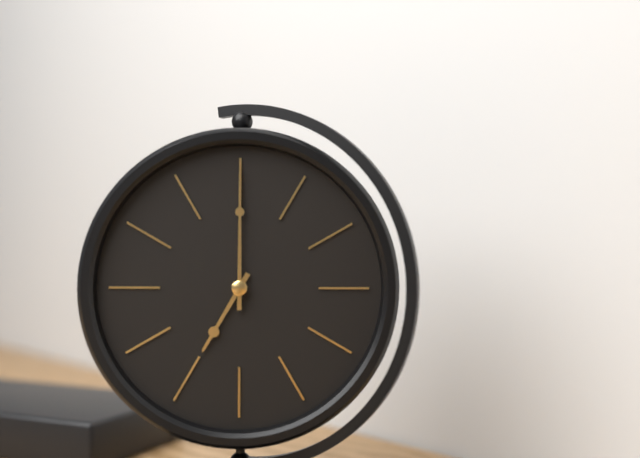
7.00
